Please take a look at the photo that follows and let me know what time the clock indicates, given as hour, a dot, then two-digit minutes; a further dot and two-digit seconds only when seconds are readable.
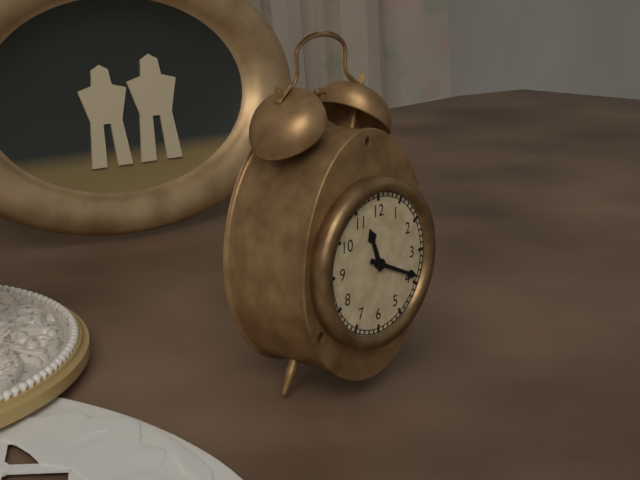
11.19
